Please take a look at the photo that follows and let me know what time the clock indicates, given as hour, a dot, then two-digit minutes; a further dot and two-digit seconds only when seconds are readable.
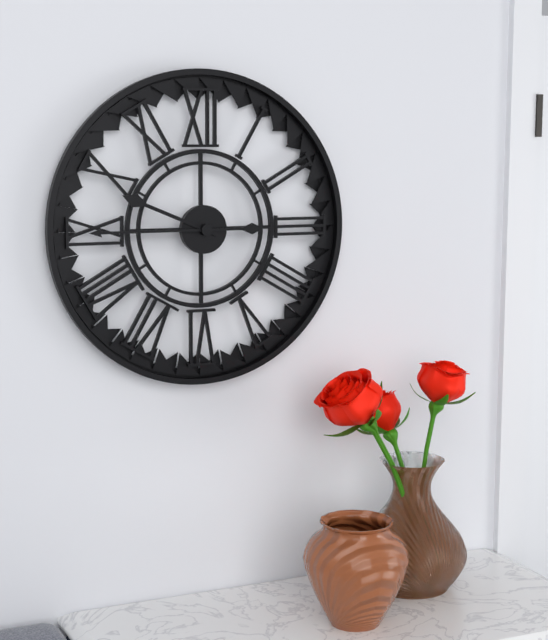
9.45
